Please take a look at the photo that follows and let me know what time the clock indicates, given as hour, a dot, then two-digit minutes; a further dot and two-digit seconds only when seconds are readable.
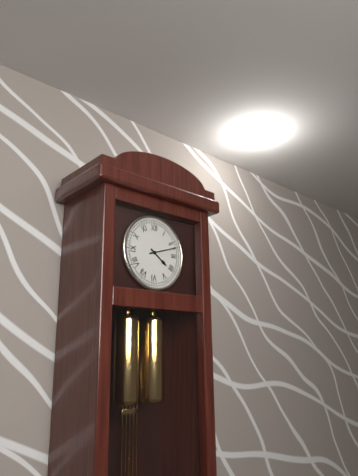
4.12
